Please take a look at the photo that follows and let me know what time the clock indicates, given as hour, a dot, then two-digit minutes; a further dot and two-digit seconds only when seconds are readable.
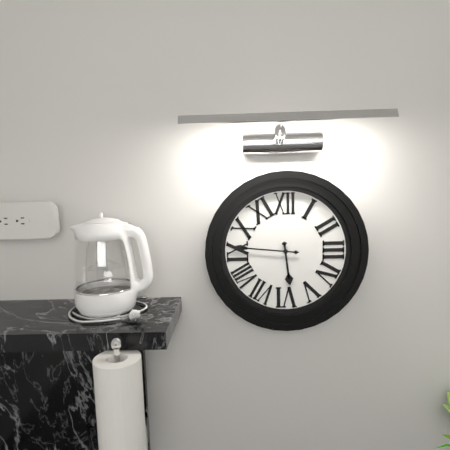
5.46
